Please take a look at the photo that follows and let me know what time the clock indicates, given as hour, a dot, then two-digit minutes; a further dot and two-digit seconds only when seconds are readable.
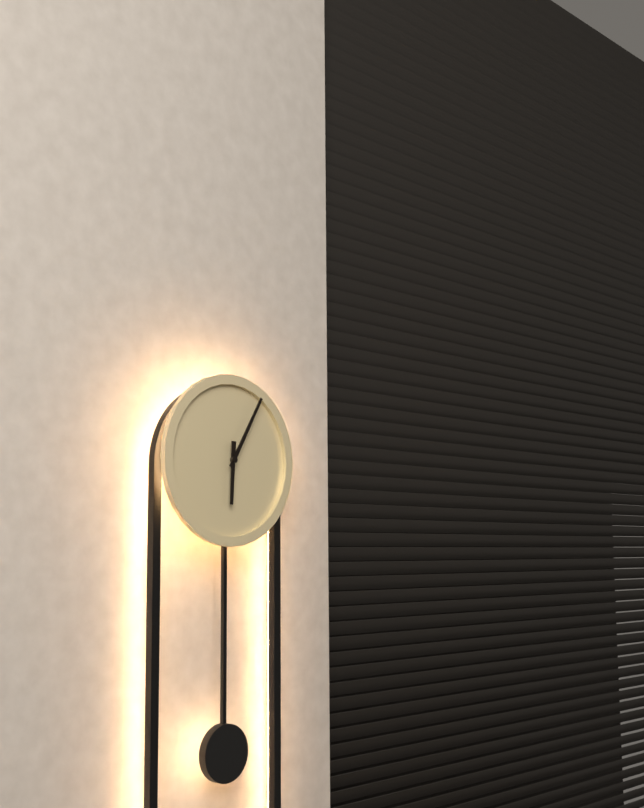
6.05
